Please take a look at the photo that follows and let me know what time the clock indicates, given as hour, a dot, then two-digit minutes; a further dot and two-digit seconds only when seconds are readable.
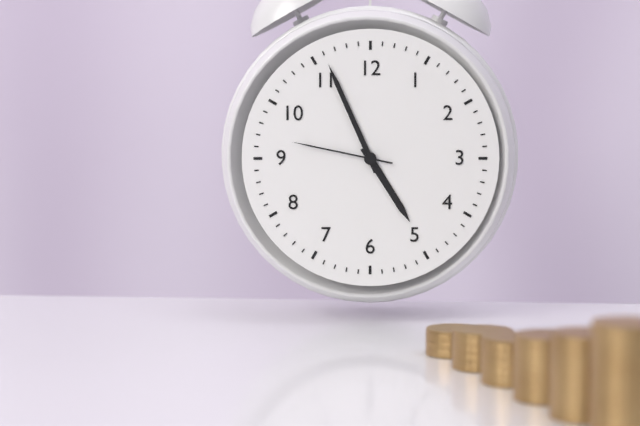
4.56.47
